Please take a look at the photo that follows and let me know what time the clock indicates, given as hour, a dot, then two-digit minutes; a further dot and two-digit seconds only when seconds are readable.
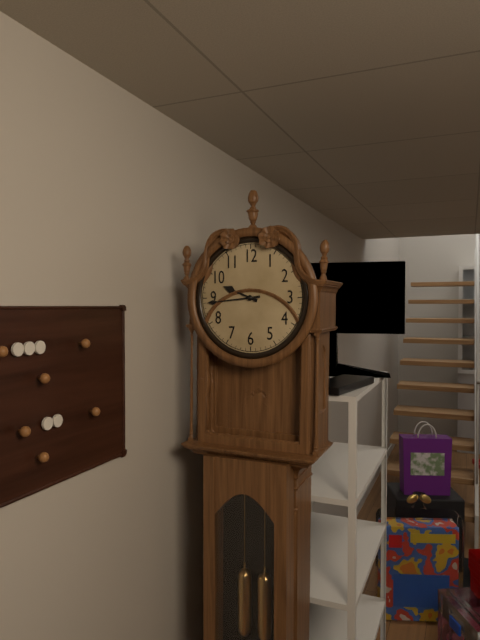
9.44
